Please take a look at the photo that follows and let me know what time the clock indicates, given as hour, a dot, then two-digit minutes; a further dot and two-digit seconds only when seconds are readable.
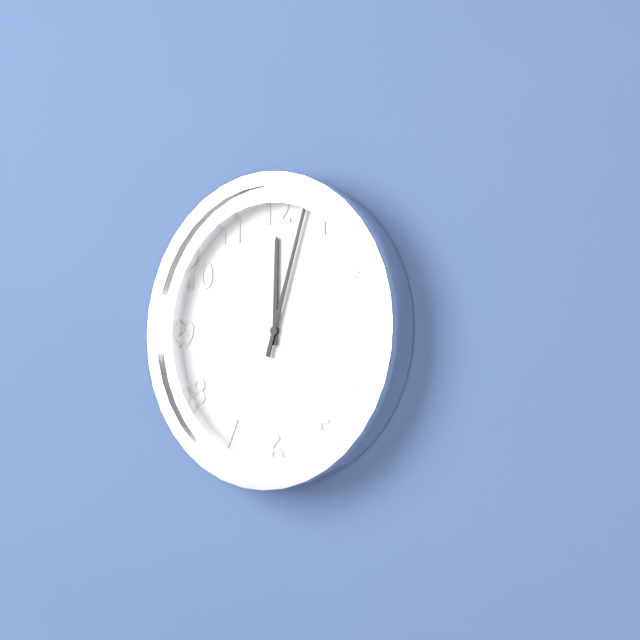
12.03
